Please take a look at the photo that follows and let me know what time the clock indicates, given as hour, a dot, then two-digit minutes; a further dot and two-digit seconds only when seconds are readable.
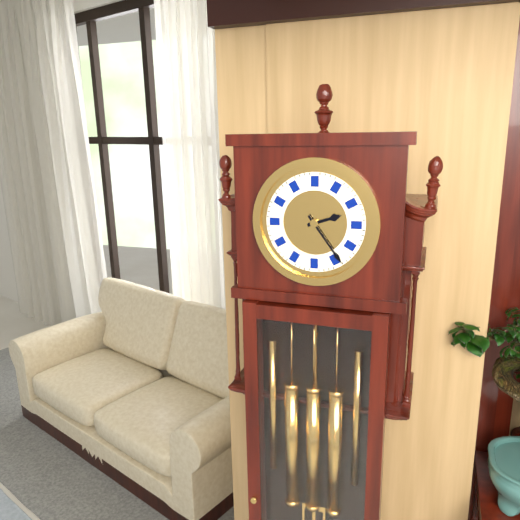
2.24
